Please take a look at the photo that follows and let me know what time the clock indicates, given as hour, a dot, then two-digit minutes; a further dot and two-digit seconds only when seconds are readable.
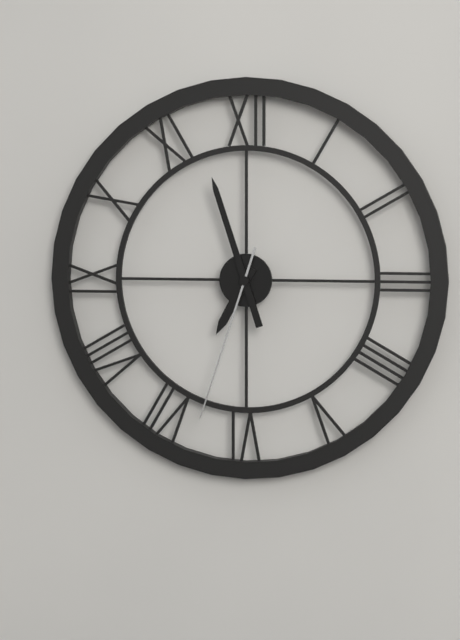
6.57.33
